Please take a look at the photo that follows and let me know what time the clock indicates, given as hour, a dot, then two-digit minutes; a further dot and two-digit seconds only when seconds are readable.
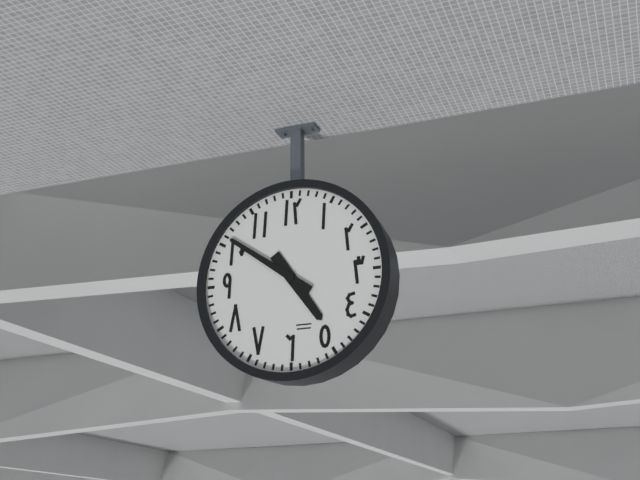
4.51
